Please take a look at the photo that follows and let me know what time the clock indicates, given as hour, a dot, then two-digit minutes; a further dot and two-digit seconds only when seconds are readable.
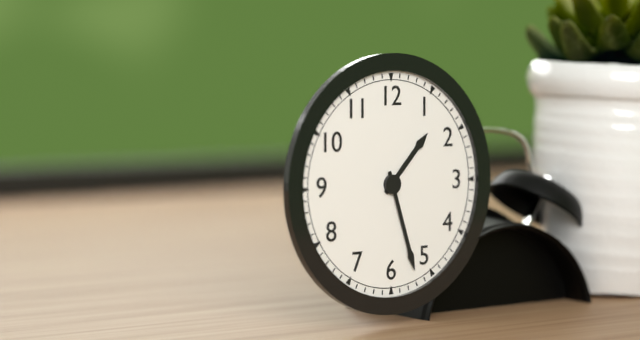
1.27
